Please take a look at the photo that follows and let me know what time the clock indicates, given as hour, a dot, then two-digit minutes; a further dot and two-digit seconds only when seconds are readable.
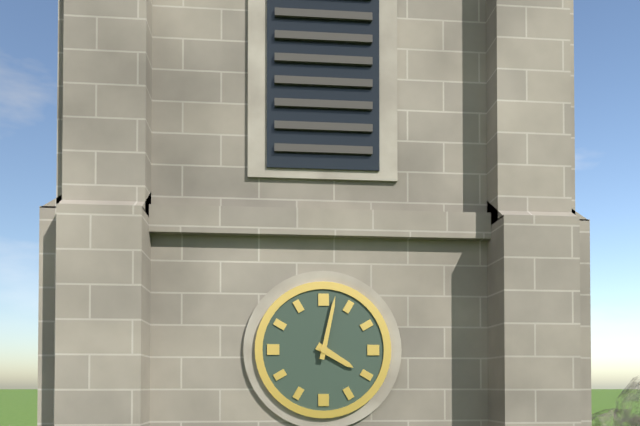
4.02
